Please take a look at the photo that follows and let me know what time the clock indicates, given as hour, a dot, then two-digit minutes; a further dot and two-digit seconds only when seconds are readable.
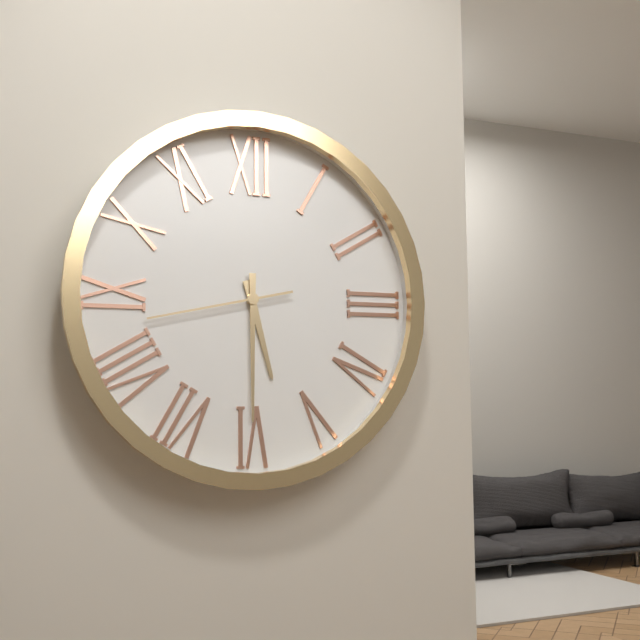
5.30.43
